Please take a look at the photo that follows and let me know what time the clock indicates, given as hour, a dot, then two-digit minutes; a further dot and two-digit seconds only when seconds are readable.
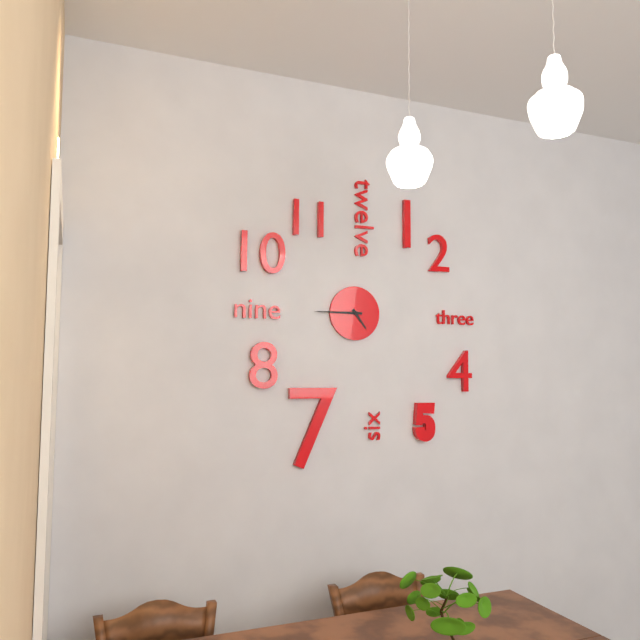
4.45
